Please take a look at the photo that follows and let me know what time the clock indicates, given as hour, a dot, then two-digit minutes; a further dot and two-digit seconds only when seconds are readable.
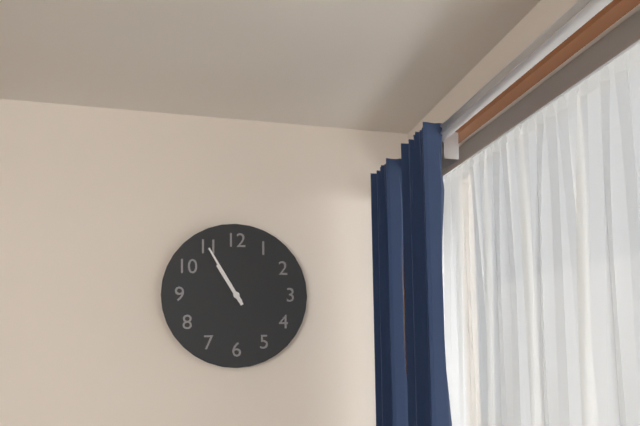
10.55
